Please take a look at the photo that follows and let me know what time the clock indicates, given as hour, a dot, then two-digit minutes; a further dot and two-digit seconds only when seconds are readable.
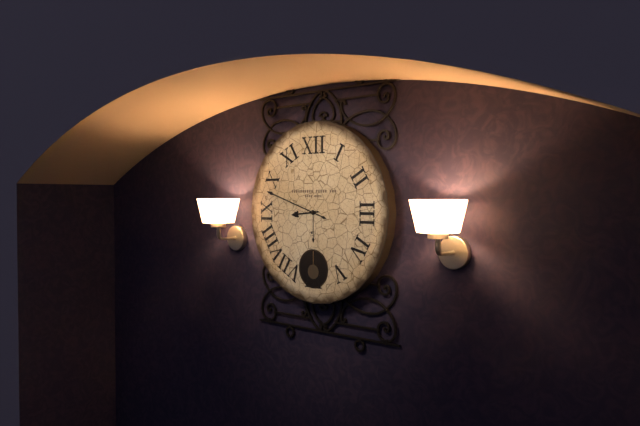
8.48
